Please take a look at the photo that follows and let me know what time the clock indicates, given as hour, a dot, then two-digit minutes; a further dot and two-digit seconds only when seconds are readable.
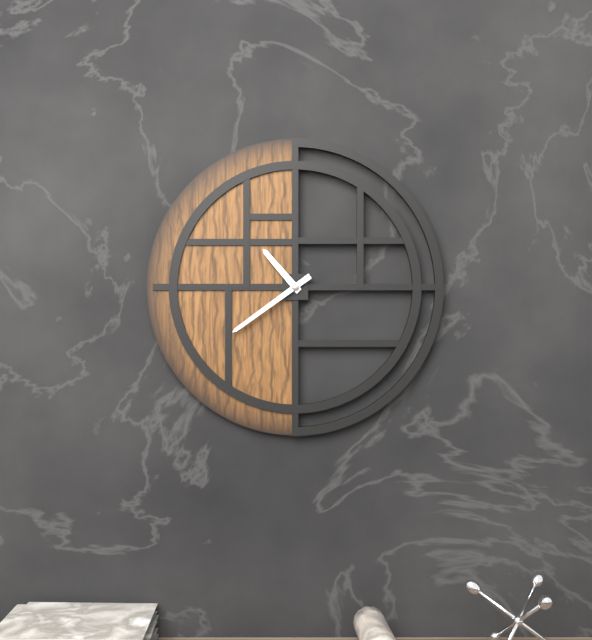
10.39
